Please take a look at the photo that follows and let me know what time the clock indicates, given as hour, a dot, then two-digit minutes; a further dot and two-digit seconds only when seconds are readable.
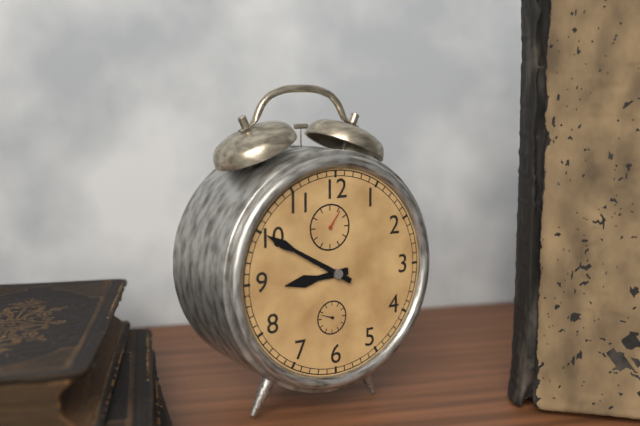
8.50
